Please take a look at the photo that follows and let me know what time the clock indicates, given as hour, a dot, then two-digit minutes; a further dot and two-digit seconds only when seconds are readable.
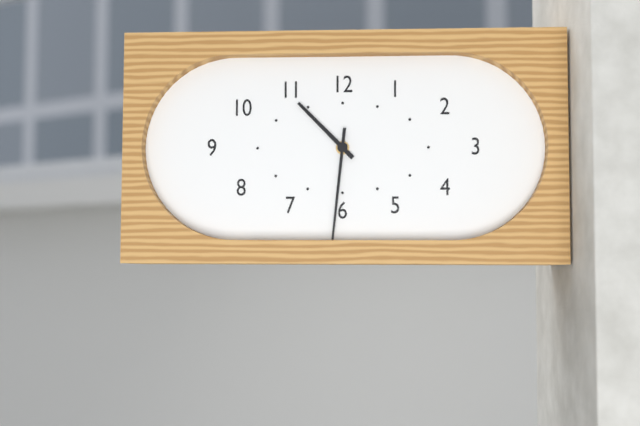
10.31
